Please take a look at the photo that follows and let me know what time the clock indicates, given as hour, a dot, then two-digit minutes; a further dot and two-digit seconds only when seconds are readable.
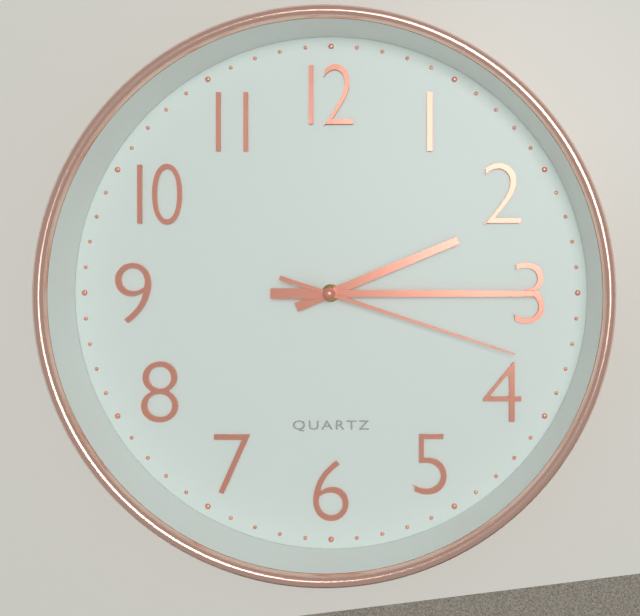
2.15.18
